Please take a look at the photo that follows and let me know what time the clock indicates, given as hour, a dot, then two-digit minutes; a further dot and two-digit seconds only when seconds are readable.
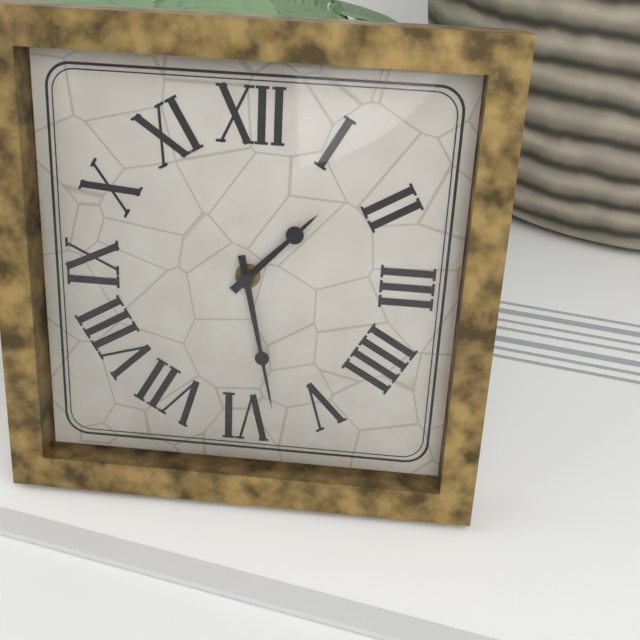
1.28
